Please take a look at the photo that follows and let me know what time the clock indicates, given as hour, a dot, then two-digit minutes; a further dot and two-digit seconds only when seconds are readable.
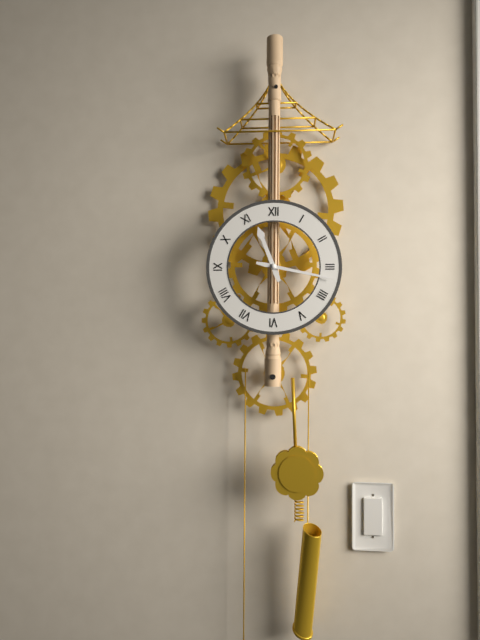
11.17
